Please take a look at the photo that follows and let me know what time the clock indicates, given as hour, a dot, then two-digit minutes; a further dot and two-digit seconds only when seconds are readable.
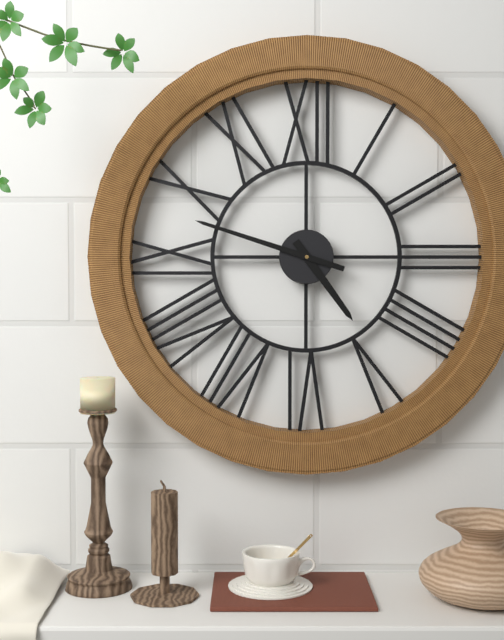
4.48
